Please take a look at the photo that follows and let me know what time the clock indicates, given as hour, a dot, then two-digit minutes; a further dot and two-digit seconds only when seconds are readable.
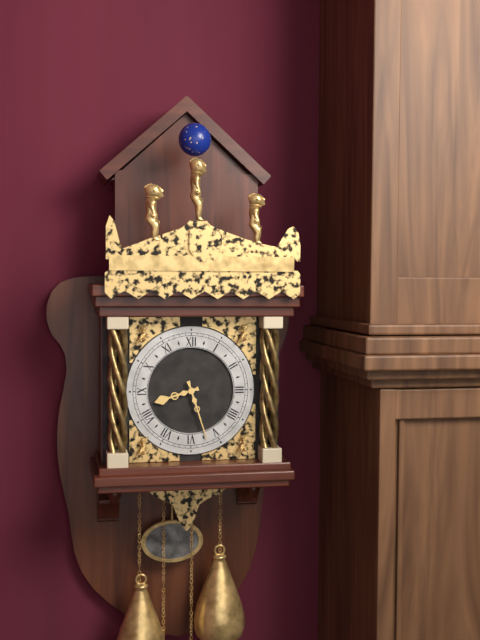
8.27
